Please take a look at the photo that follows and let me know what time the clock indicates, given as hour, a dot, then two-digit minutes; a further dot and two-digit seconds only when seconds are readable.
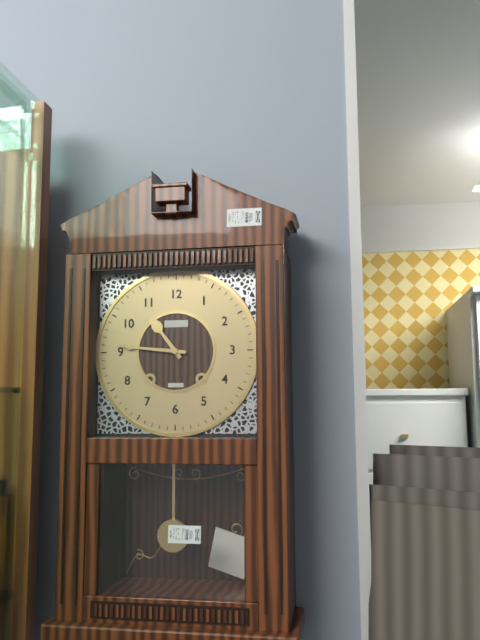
10.46
